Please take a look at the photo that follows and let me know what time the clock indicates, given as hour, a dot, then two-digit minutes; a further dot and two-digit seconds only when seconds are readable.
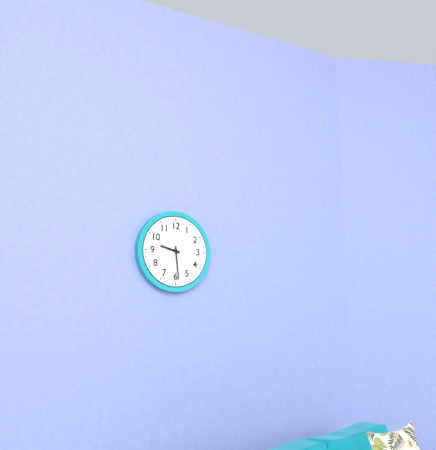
9.29
